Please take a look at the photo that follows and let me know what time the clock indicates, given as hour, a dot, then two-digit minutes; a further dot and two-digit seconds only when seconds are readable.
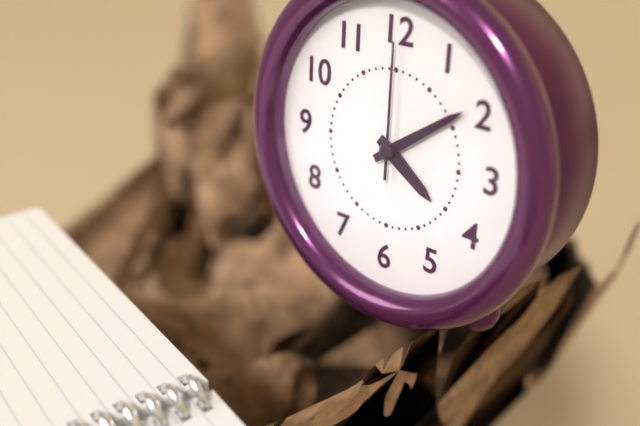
4.09.00
